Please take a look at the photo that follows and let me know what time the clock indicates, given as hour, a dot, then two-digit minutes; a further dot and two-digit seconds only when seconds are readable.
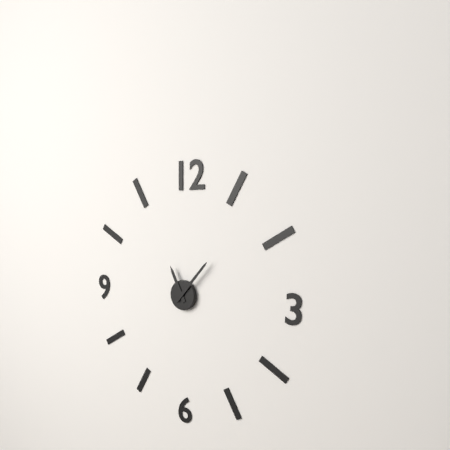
11.07
